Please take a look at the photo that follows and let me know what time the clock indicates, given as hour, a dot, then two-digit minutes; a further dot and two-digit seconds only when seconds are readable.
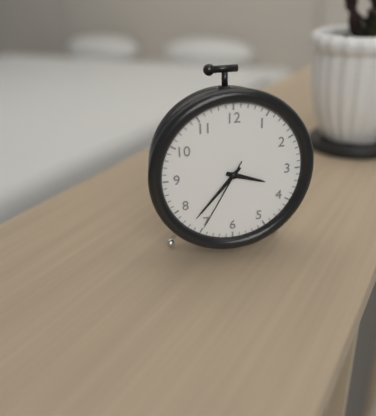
3.37.35
